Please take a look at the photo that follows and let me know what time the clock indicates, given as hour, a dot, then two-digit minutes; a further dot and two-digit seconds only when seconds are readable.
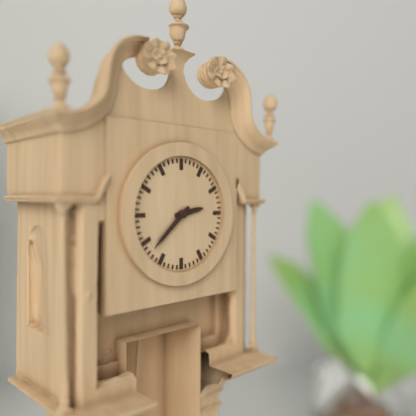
2.38
